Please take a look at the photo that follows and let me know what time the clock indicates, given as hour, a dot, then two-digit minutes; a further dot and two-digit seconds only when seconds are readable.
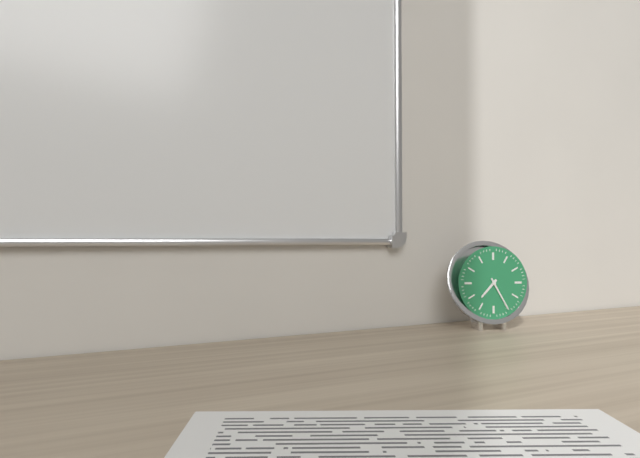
7.25
